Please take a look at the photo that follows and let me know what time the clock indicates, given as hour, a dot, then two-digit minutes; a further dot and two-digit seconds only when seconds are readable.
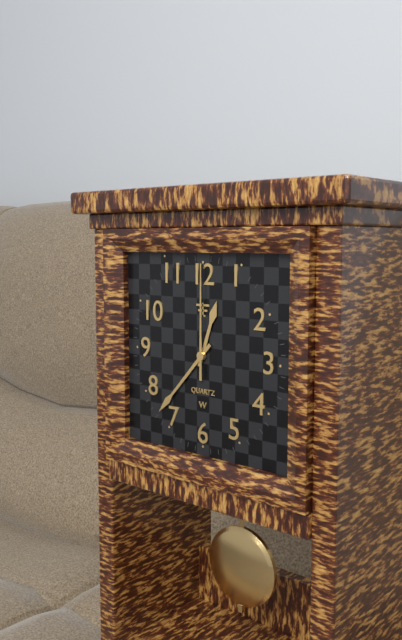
12.37.00
